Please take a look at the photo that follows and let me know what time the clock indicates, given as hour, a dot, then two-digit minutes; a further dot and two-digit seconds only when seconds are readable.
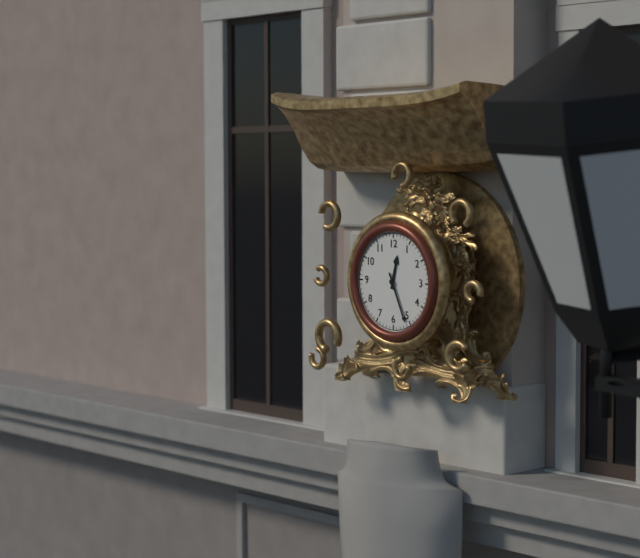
12.26
